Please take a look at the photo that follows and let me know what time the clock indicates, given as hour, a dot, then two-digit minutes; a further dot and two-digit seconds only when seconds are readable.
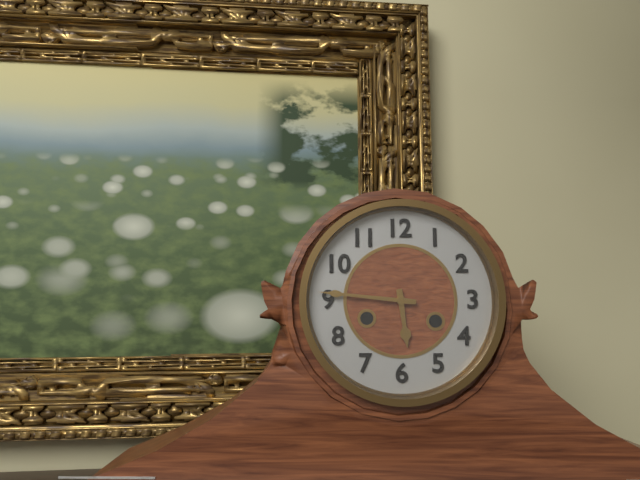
5.46
